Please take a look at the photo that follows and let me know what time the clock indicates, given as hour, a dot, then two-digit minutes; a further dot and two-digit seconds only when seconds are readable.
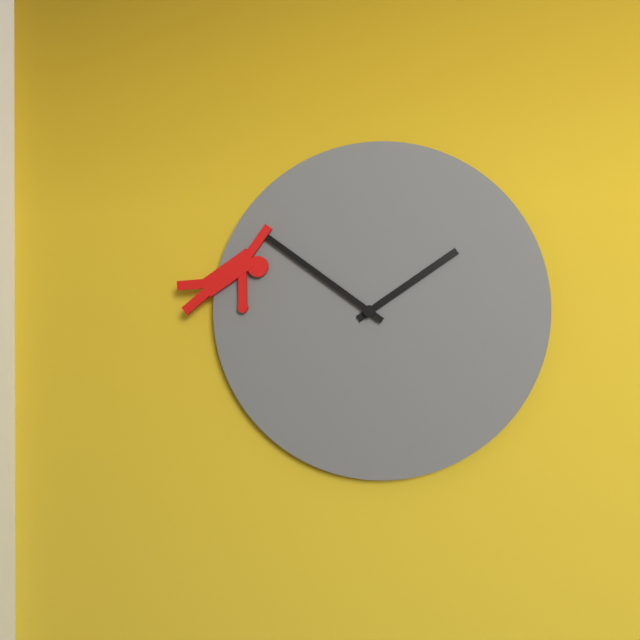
1.51
